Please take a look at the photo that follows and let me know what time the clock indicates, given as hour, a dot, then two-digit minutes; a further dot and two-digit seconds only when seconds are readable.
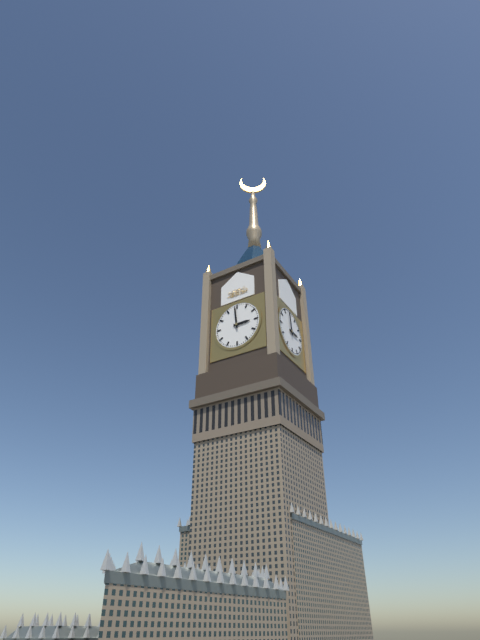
2.59
